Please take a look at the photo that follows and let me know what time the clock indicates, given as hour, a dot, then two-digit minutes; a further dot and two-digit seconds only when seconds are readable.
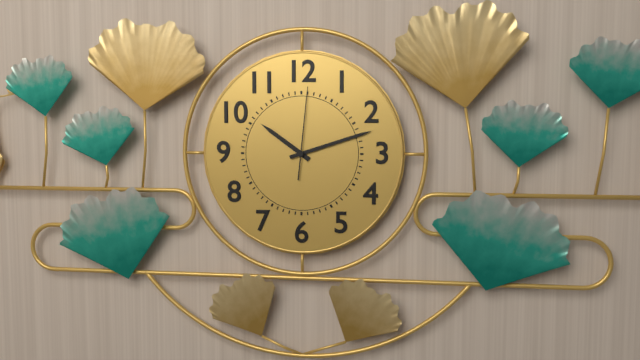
10.12.01
